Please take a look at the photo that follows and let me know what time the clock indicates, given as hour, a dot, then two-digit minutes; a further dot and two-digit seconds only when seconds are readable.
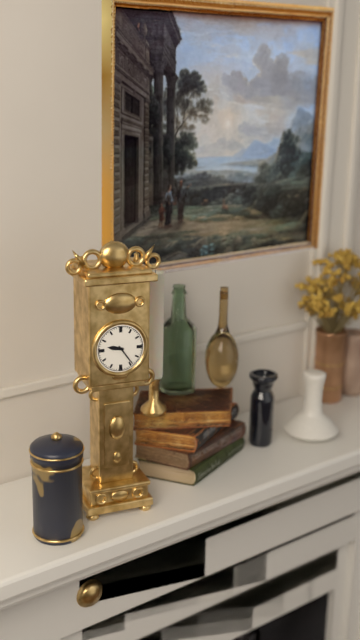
9.24
